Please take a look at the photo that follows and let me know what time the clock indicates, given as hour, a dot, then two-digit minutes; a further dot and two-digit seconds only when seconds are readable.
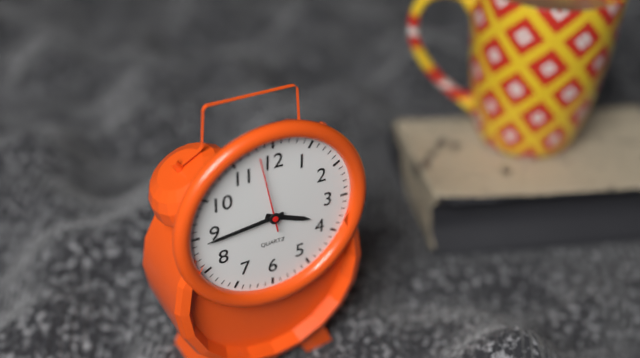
3.44.58
